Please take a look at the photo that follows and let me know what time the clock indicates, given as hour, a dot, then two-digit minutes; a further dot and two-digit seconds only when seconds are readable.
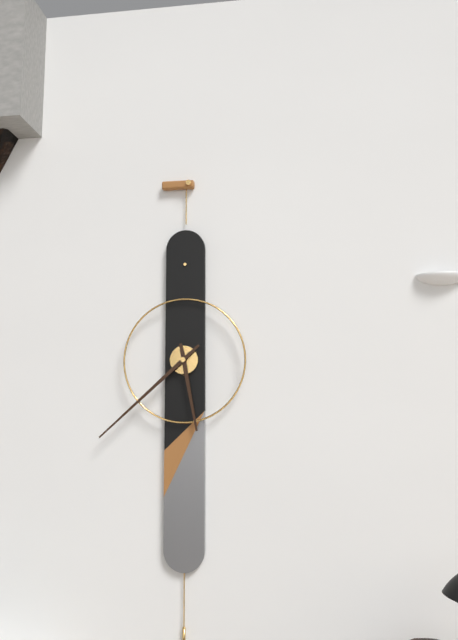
5.38
